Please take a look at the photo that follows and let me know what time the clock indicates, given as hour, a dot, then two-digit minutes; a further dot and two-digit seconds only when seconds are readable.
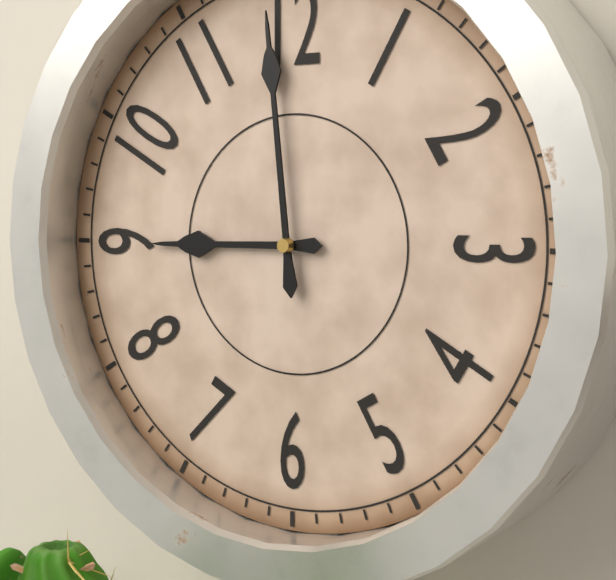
8.59
